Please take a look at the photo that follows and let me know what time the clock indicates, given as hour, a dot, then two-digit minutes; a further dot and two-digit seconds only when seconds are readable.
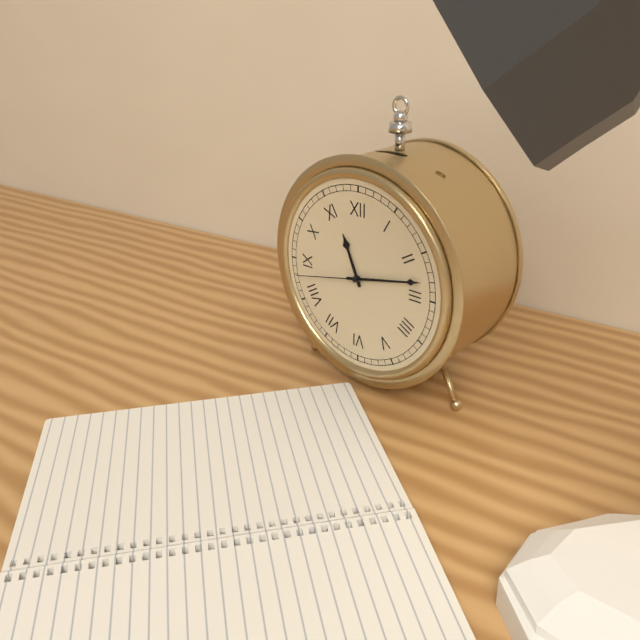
11.13.43
